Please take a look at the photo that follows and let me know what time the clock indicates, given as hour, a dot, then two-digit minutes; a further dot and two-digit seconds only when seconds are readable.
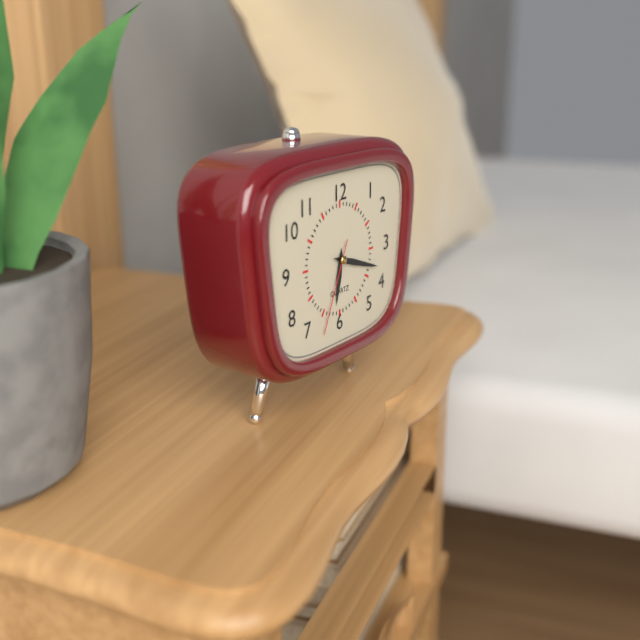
6.18.34
